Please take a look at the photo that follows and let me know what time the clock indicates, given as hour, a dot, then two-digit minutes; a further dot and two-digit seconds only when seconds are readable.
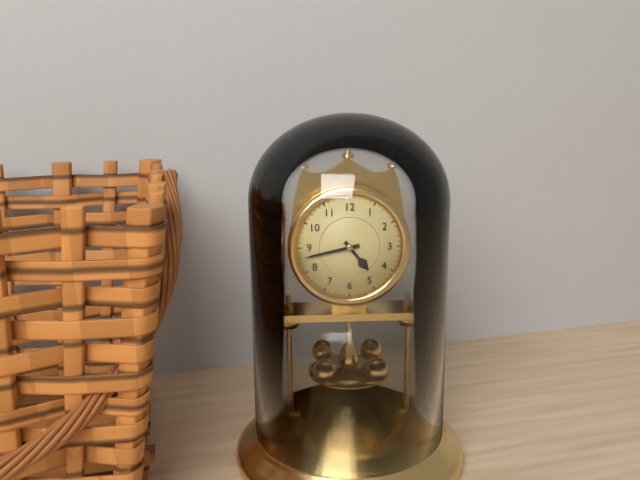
4.43
